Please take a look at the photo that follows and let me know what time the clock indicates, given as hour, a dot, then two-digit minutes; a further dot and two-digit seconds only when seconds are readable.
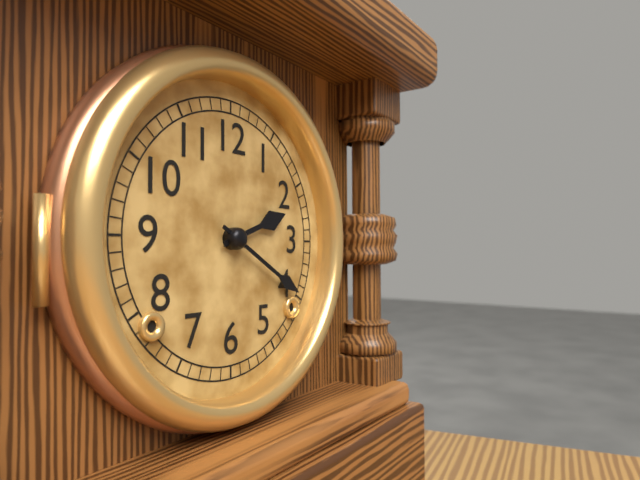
2.20
